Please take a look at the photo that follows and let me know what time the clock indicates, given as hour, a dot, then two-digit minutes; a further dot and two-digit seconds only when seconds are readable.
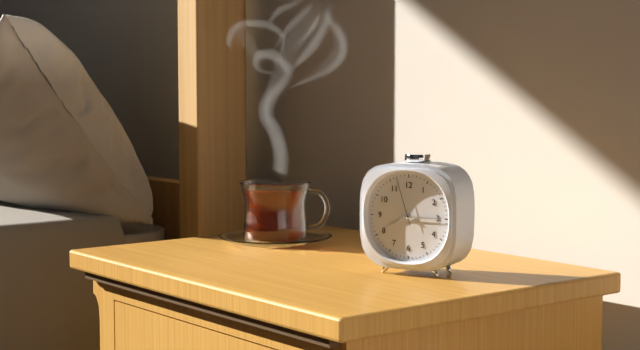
8.15.57
